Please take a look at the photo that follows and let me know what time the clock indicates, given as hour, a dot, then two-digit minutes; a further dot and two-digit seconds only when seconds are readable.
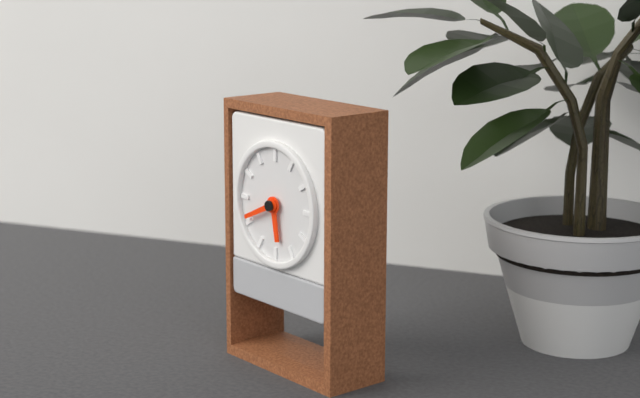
5.41
